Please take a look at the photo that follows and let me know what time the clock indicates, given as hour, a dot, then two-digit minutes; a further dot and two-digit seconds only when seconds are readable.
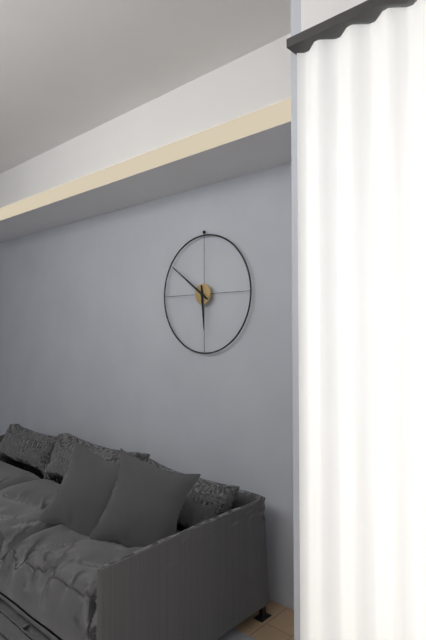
5.51
